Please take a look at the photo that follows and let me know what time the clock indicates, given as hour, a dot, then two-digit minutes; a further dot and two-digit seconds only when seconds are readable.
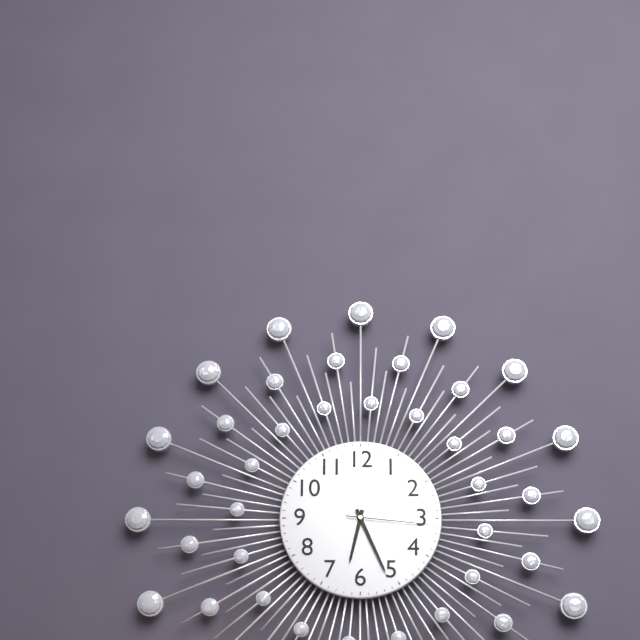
6.26.16
